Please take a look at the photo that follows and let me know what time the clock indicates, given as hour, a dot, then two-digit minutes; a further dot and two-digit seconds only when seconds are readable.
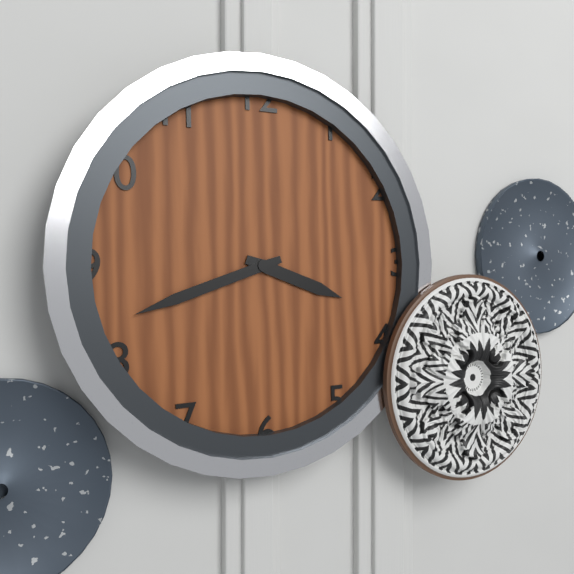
3.42
